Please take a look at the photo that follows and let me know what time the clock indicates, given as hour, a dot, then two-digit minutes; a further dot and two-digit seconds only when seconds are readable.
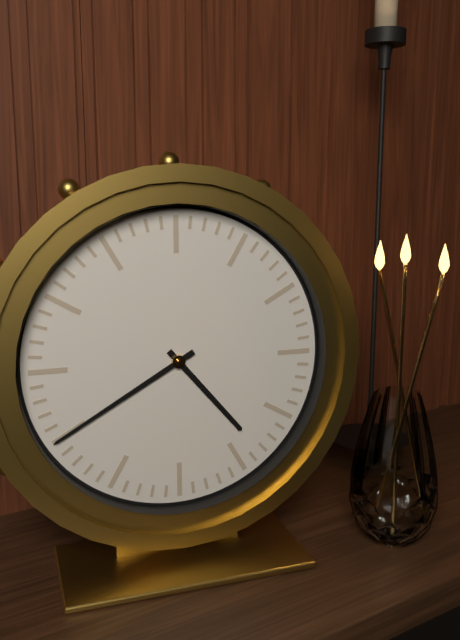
4.40
